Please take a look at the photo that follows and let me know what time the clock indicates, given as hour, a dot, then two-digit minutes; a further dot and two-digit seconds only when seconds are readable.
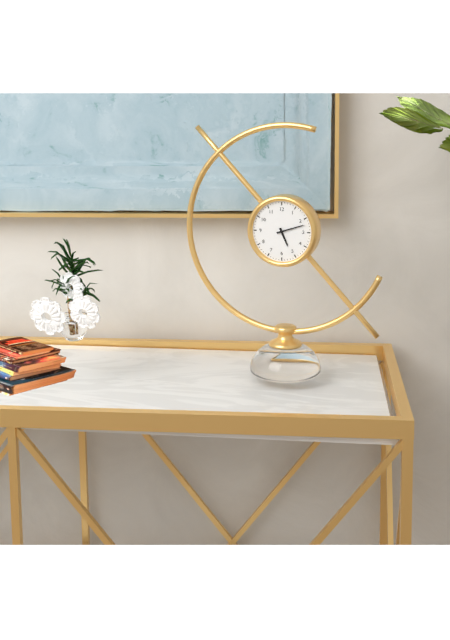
5.12
